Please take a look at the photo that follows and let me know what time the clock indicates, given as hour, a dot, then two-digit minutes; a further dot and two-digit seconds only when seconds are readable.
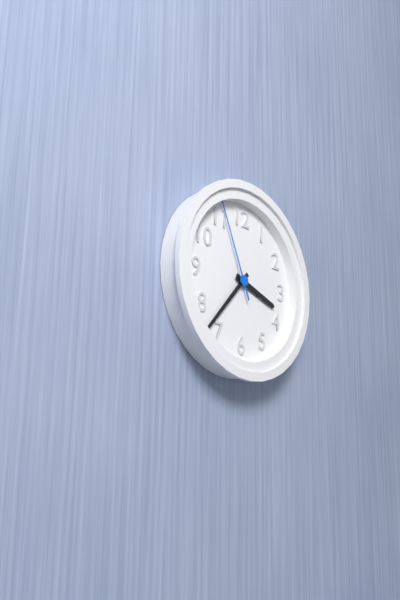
3.37.56
